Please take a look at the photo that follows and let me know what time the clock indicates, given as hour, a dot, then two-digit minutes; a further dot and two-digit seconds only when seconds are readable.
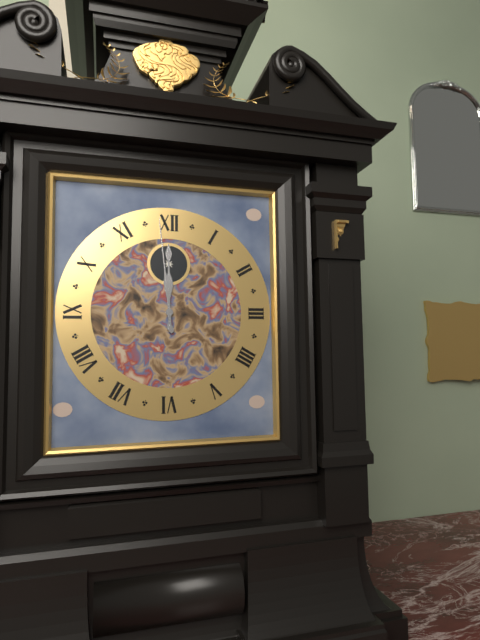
11.59
